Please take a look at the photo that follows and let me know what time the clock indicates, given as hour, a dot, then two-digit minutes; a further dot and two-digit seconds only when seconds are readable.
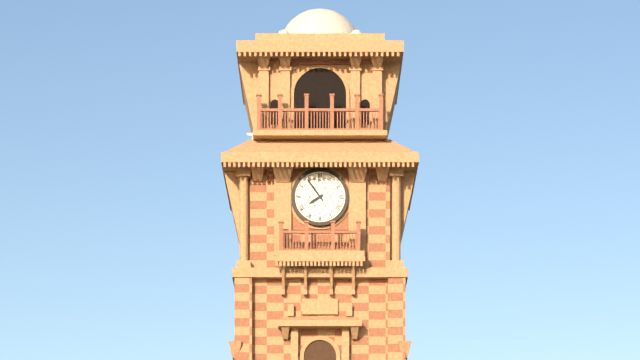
7.54
